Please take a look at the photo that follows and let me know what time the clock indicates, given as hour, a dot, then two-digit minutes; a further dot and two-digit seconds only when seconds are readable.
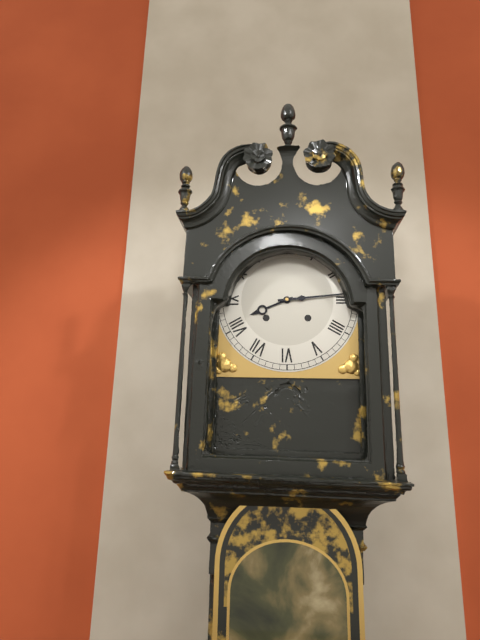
8.14
